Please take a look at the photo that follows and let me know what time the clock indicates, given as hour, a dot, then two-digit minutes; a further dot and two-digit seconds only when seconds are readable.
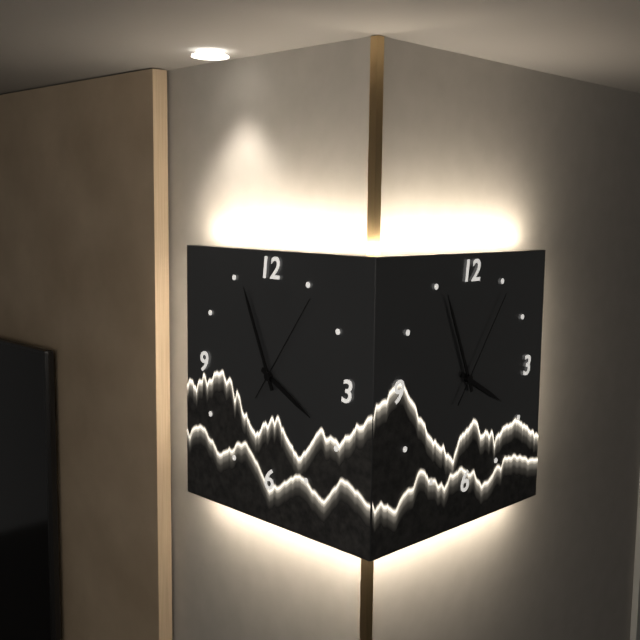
3.56.06
